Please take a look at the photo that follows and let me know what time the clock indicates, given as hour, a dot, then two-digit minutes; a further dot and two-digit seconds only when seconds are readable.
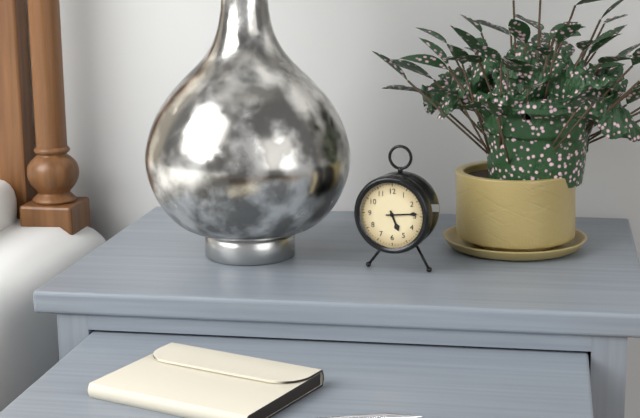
5.14
